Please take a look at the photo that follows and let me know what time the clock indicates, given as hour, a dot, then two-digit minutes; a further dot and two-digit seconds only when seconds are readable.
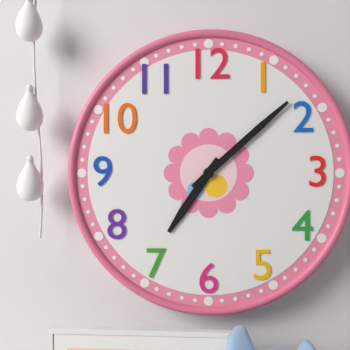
7.08
